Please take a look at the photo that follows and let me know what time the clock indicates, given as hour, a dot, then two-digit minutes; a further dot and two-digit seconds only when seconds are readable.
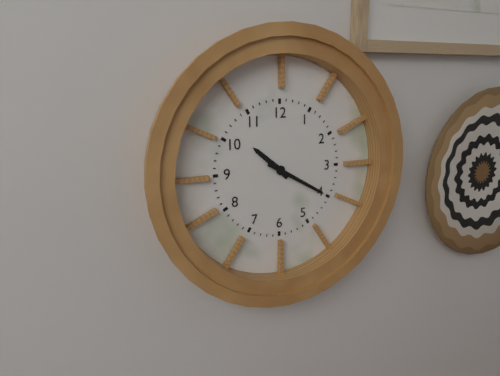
10.20
